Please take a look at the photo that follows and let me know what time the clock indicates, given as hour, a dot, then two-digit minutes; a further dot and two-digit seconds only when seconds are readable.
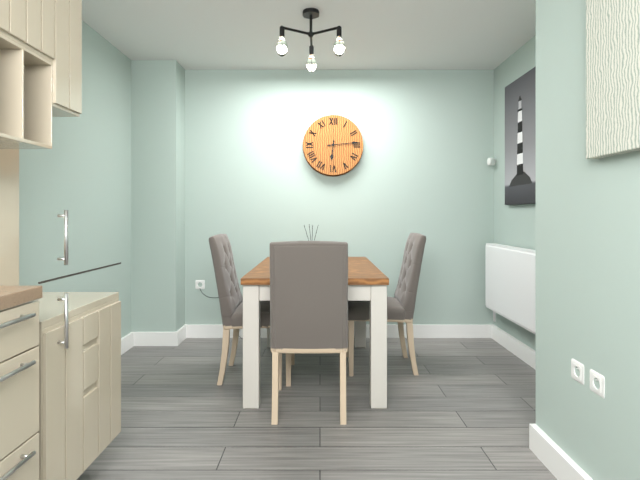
6.14
